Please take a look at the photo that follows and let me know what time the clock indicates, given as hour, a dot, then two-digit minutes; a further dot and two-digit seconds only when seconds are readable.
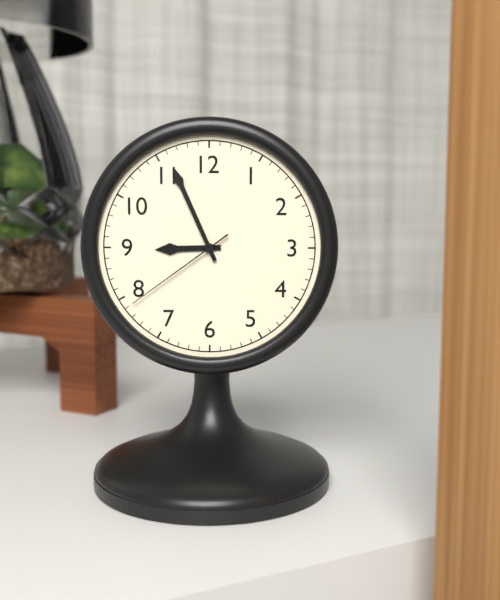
8.56.39
